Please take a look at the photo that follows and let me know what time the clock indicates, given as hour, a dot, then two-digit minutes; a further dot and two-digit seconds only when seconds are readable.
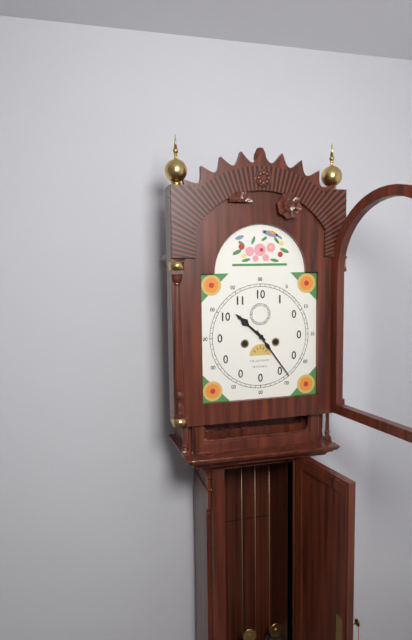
10.24
